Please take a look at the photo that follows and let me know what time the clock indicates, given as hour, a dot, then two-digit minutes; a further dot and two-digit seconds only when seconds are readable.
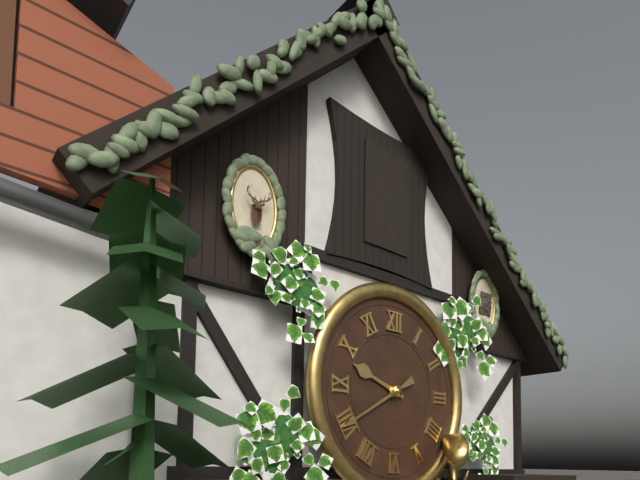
9.40
